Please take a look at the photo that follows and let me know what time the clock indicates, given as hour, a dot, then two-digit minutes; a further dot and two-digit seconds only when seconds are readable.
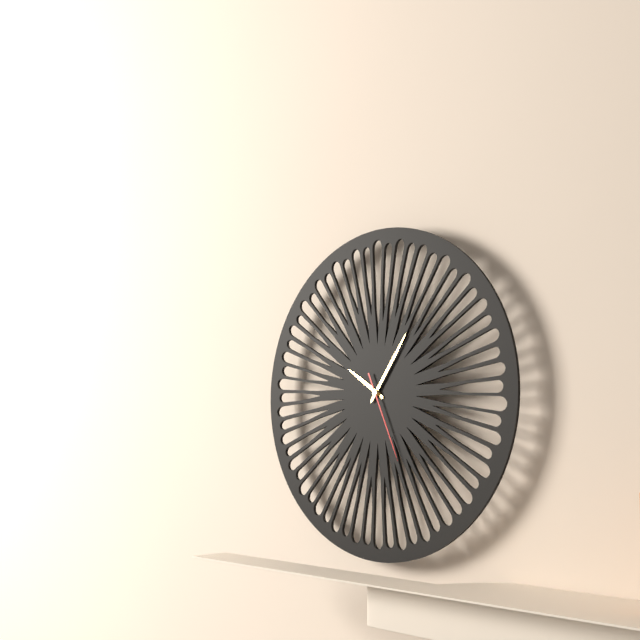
10.06.26
